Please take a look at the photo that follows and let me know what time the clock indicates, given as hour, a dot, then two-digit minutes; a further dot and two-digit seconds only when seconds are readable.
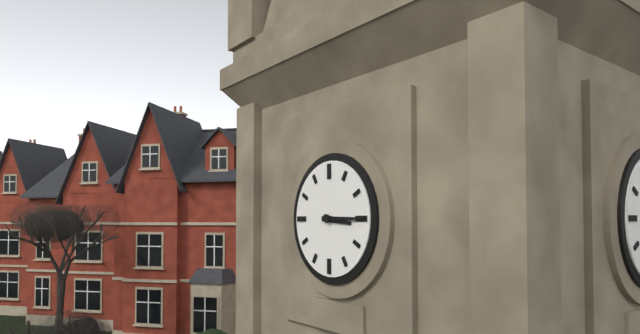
3.15
